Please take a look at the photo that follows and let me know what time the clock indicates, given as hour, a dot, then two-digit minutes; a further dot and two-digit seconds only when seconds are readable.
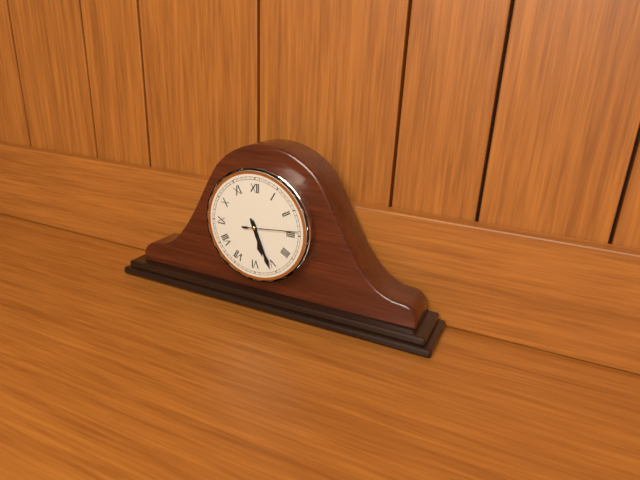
5.26.14
